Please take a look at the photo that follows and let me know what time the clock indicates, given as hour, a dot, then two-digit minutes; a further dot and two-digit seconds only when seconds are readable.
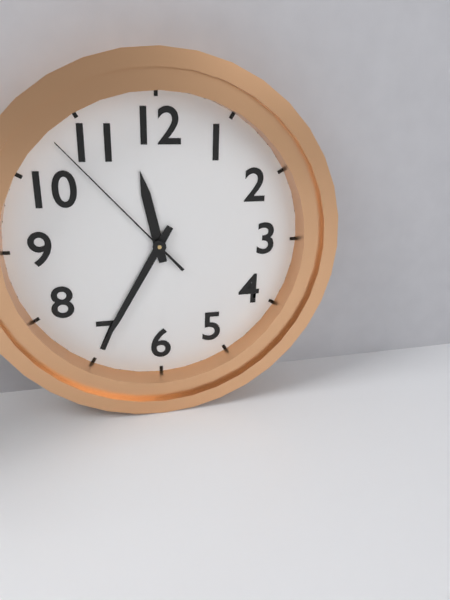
11.35.53
